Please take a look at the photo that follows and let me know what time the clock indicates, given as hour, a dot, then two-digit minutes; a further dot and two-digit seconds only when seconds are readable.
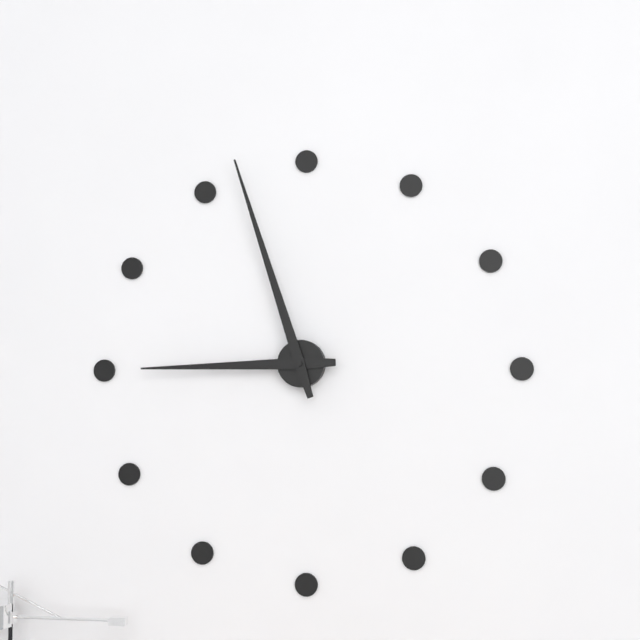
8.57
